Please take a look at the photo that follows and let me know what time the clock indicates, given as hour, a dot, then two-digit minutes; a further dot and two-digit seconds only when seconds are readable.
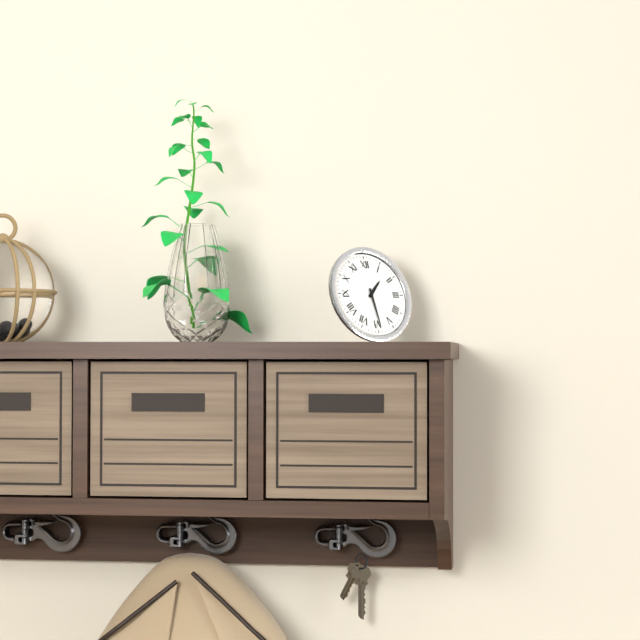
1.29
